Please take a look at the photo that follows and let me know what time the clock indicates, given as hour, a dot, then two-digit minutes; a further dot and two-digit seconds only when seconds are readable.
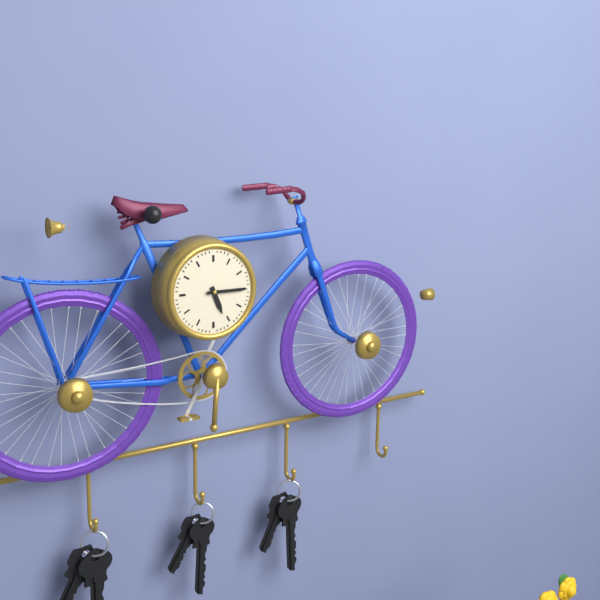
5.15
